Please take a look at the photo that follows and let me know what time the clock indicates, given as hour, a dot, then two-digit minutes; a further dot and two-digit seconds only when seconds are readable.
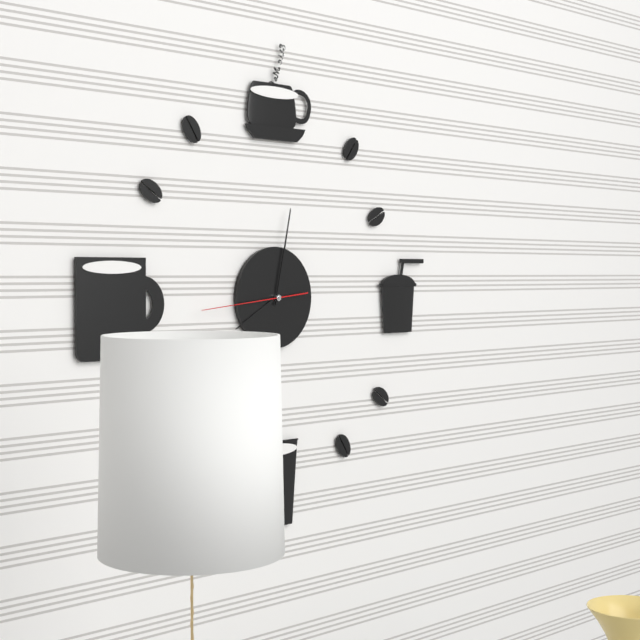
8.02.44
